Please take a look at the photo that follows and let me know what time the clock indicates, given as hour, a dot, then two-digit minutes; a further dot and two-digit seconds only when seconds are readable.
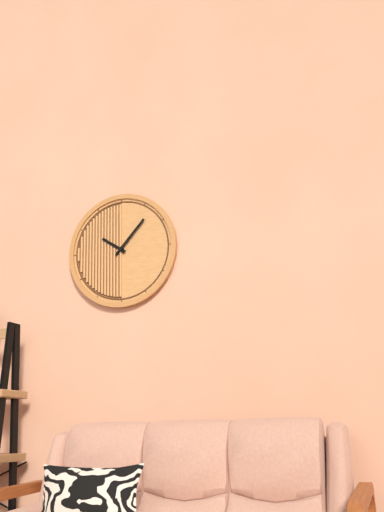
10.07
